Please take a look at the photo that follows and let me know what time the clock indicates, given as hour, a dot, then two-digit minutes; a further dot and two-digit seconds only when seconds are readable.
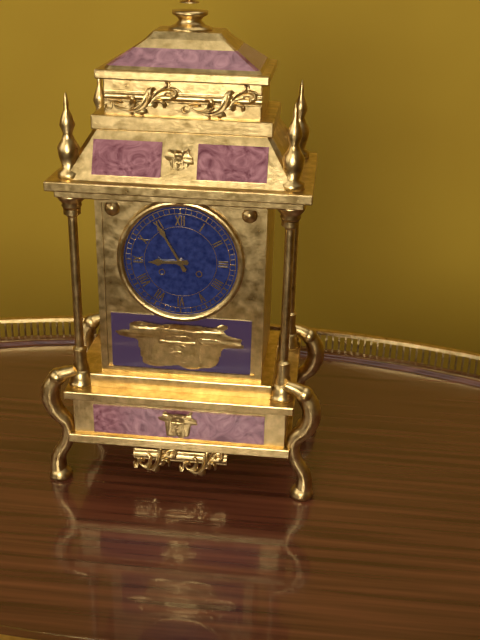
8.55
